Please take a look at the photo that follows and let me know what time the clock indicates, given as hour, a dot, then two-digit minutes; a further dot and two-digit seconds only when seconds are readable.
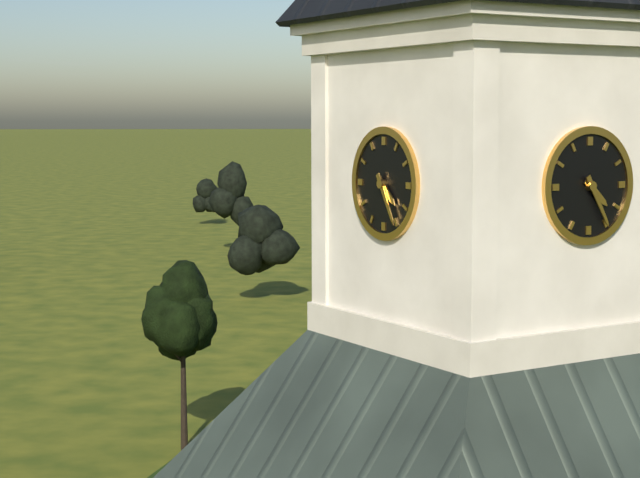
4.25
